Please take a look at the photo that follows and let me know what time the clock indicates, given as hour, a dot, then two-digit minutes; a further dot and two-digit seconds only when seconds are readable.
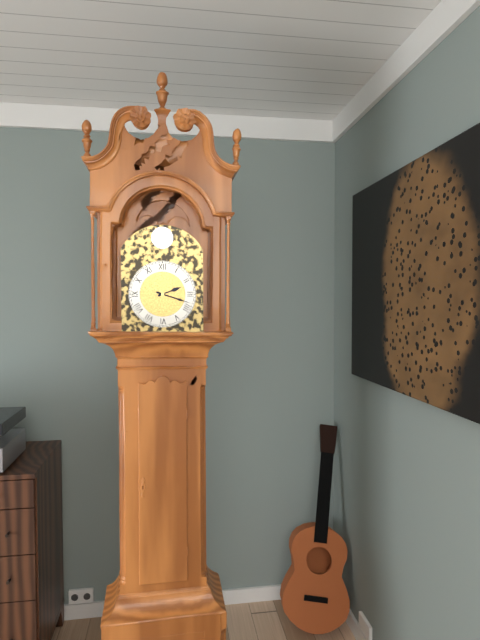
2.18
